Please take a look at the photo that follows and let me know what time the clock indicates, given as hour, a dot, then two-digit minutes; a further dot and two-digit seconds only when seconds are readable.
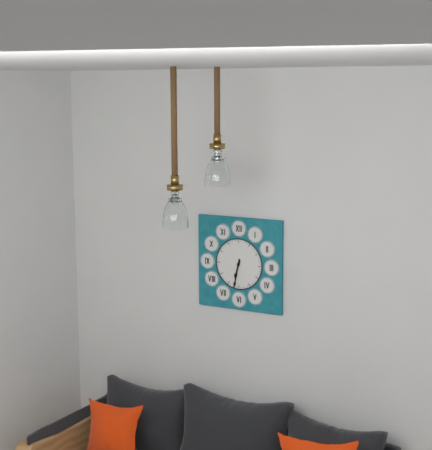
6.32
